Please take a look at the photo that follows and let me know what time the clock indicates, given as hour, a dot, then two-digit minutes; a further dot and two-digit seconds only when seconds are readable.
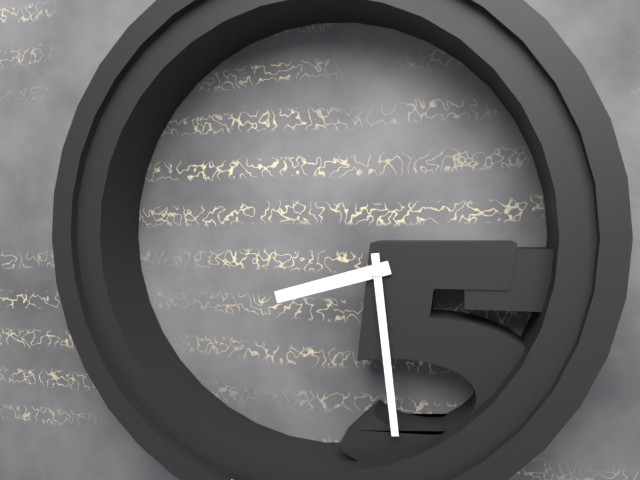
8.29
